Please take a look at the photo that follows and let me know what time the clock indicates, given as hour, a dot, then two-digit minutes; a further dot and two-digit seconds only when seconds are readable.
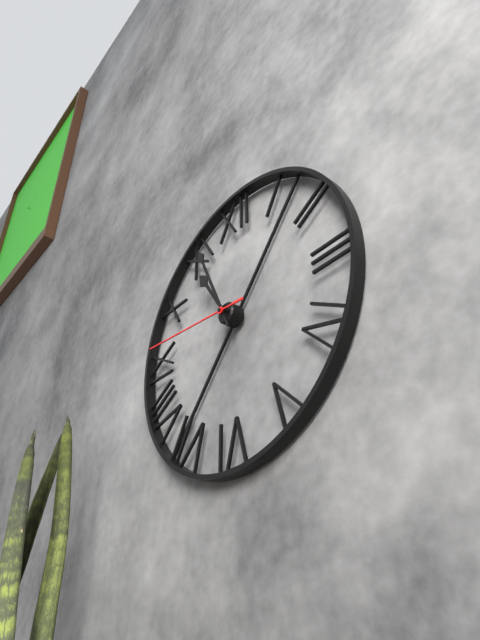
10.56.46
